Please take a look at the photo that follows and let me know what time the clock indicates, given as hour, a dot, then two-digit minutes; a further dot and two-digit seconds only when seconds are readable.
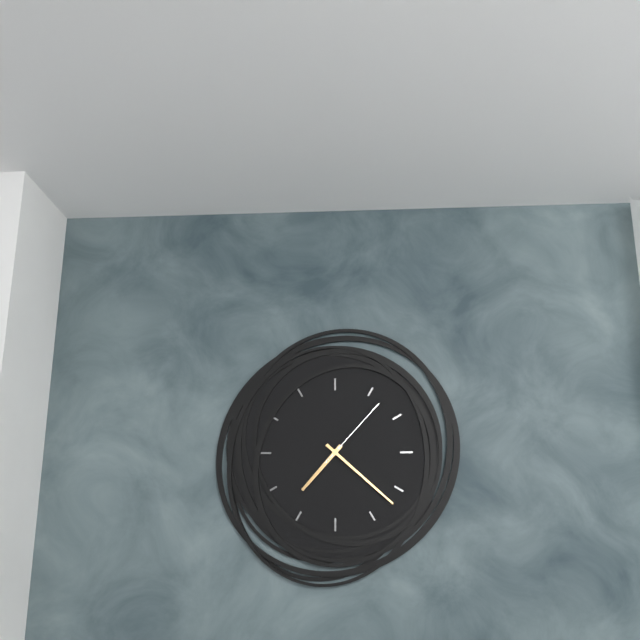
7.22.07
